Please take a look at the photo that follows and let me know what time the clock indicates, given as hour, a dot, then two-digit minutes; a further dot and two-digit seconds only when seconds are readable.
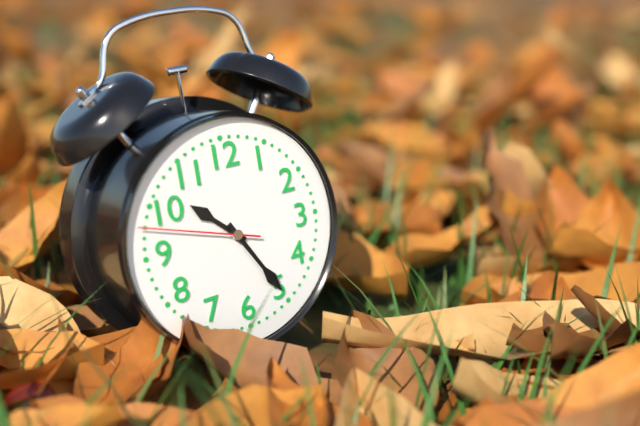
10.25.48
